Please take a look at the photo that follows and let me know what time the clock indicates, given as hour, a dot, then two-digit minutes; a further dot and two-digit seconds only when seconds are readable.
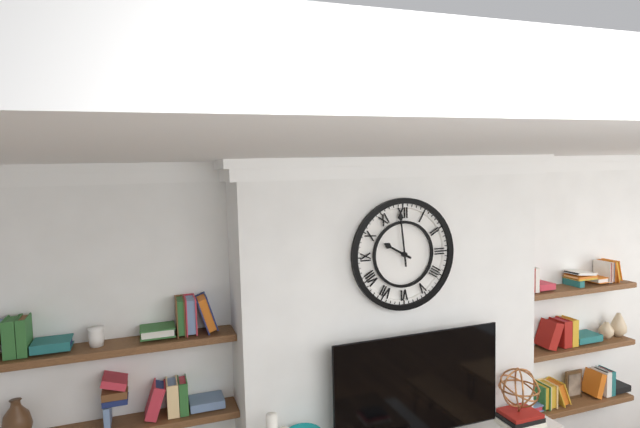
9.59
